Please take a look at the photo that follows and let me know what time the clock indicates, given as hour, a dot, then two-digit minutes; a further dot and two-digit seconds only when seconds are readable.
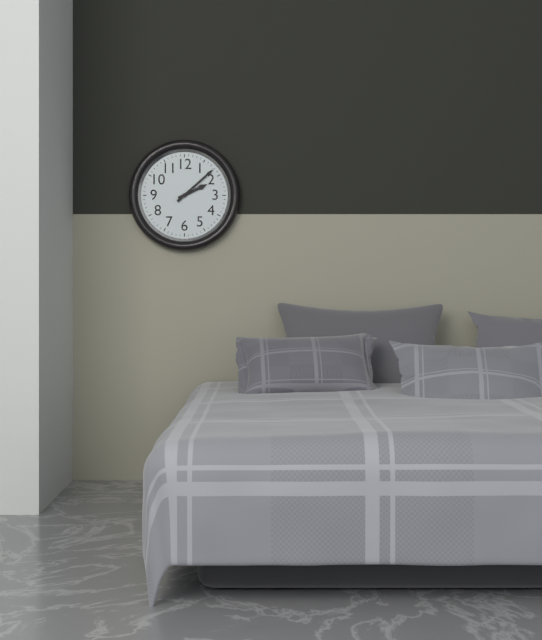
2.08
